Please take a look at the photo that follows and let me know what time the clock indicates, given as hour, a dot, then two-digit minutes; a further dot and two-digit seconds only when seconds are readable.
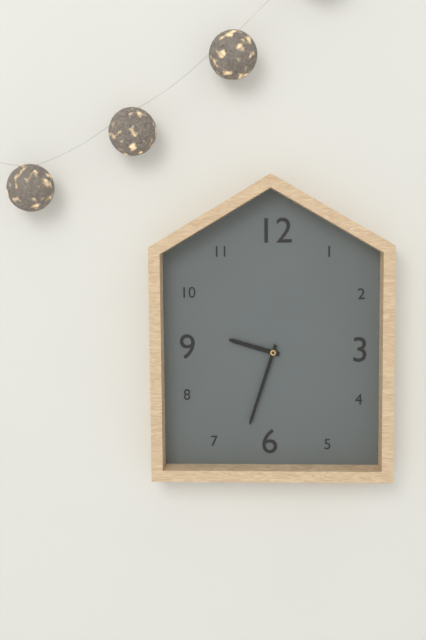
9.33
